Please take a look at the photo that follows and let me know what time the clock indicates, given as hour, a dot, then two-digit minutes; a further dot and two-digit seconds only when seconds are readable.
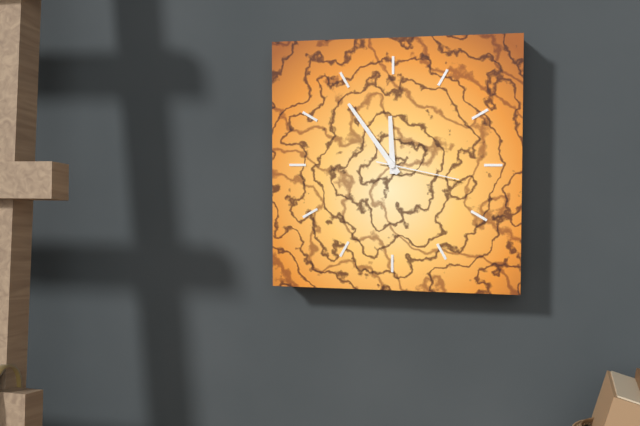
11.54.17
